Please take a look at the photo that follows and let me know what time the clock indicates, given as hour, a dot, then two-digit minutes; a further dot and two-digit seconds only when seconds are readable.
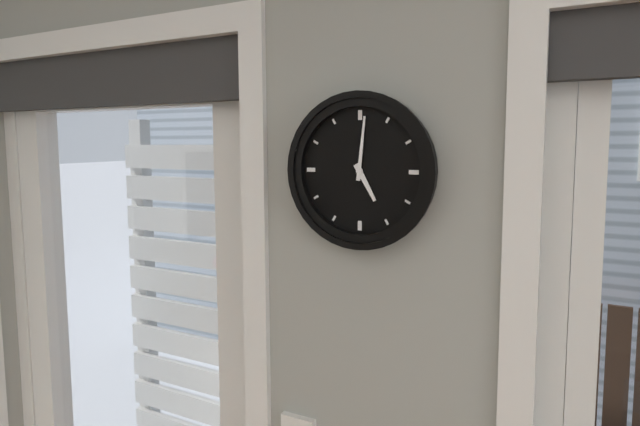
5.01
